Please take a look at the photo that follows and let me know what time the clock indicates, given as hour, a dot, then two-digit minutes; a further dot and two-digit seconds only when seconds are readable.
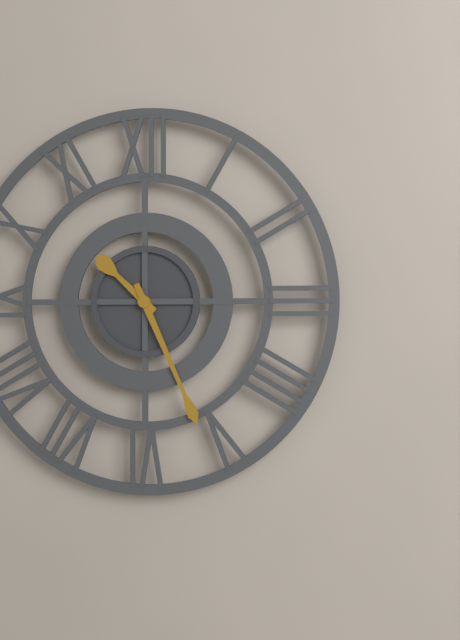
10.26
